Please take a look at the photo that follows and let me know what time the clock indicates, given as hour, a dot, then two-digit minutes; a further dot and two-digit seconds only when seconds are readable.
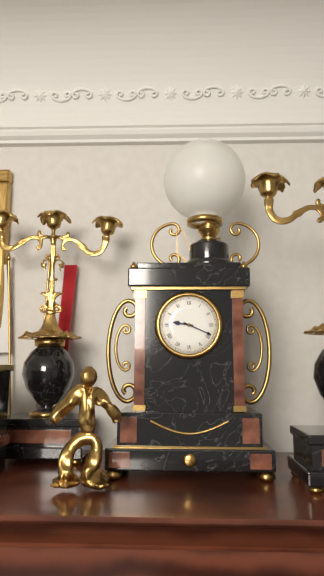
9.19
